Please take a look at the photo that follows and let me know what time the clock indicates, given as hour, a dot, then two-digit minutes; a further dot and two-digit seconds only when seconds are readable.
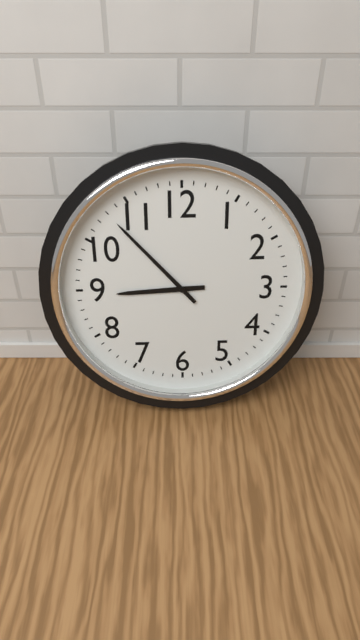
8.53
